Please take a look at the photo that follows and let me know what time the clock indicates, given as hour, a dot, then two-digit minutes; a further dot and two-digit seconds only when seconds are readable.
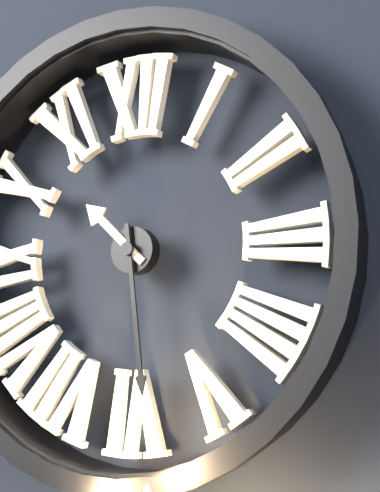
10.29
